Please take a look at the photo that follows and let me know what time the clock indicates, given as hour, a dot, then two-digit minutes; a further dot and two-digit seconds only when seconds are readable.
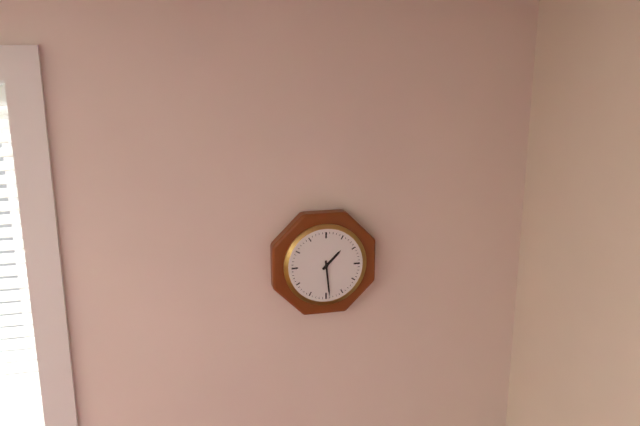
1.29
